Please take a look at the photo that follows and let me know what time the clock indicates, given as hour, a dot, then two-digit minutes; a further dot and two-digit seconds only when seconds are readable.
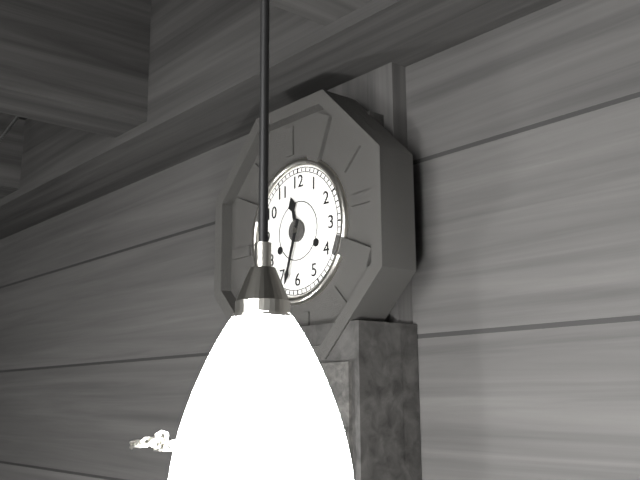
11.33
